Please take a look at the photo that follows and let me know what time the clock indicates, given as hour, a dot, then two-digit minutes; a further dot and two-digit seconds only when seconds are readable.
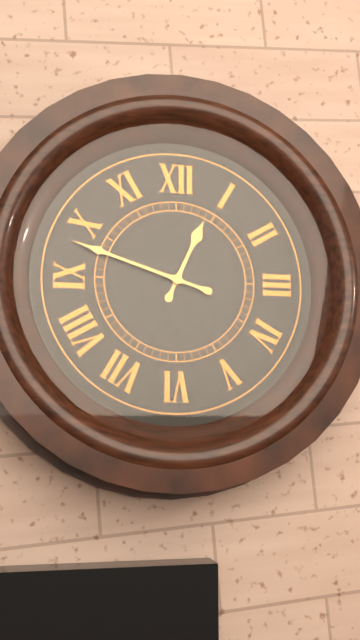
12.48
